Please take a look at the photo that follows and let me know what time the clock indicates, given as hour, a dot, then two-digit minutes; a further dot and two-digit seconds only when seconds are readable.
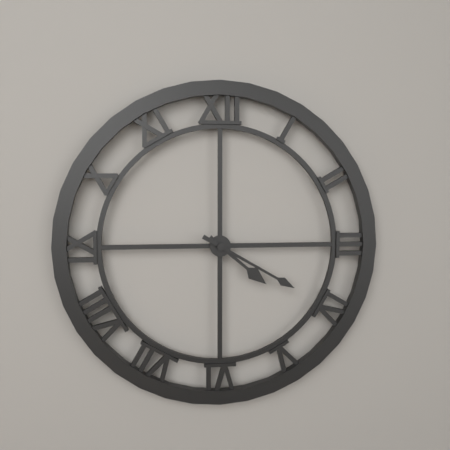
4.20
